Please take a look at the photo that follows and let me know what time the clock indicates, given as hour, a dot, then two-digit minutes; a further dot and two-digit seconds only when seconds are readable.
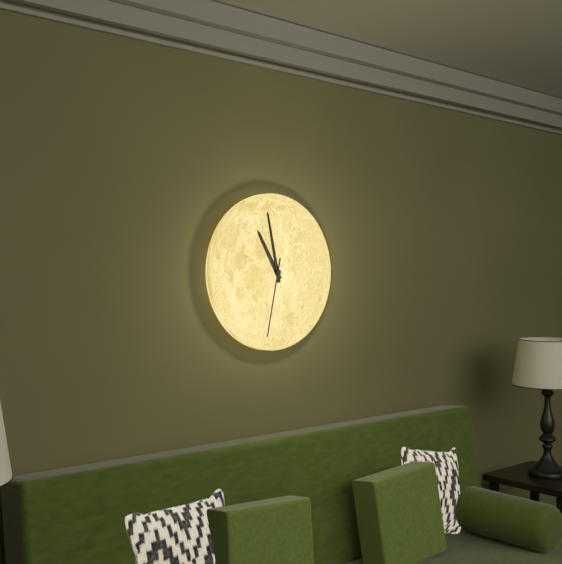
10.58.32
